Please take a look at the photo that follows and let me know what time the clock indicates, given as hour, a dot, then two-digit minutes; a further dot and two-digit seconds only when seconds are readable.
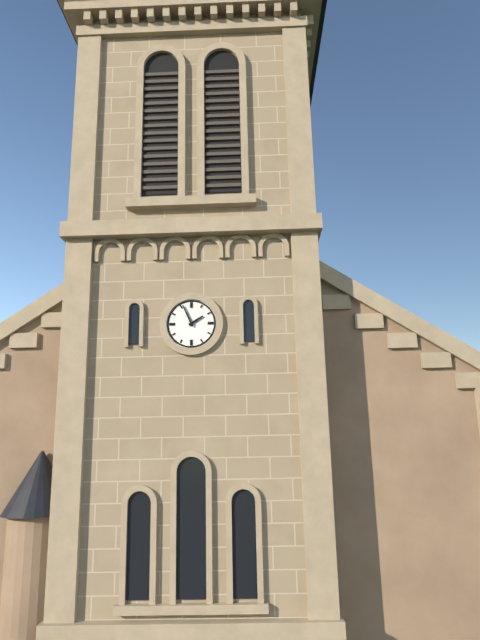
1.56
